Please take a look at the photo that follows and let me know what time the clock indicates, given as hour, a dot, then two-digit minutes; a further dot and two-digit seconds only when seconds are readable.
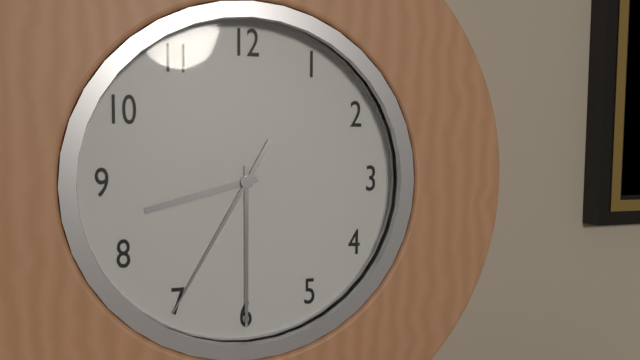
8.30.35
